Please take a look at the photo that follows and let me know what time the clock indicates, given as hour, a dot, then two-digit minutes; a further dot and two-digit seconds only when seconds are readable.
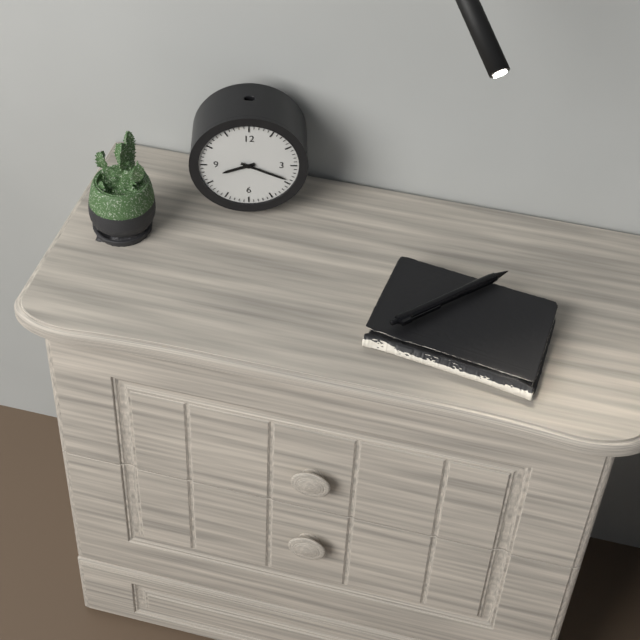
8.19
